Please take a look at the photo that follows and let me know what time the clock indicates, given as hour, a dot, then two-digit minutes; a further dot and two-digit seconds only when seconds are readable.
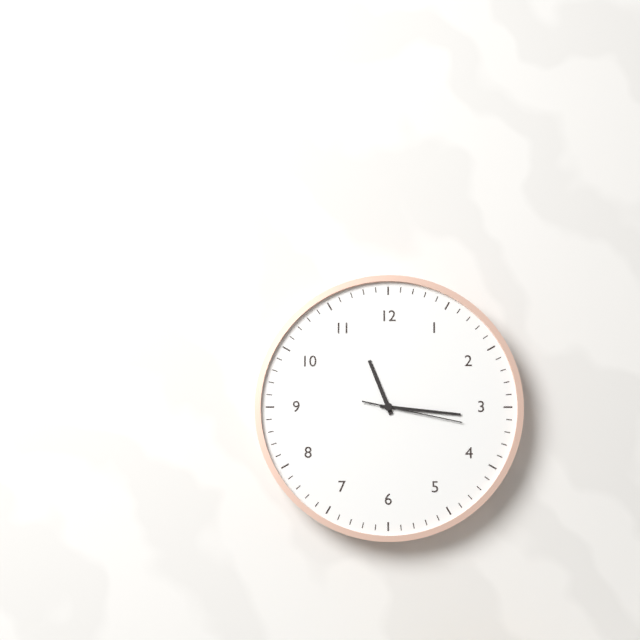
11.16.17
